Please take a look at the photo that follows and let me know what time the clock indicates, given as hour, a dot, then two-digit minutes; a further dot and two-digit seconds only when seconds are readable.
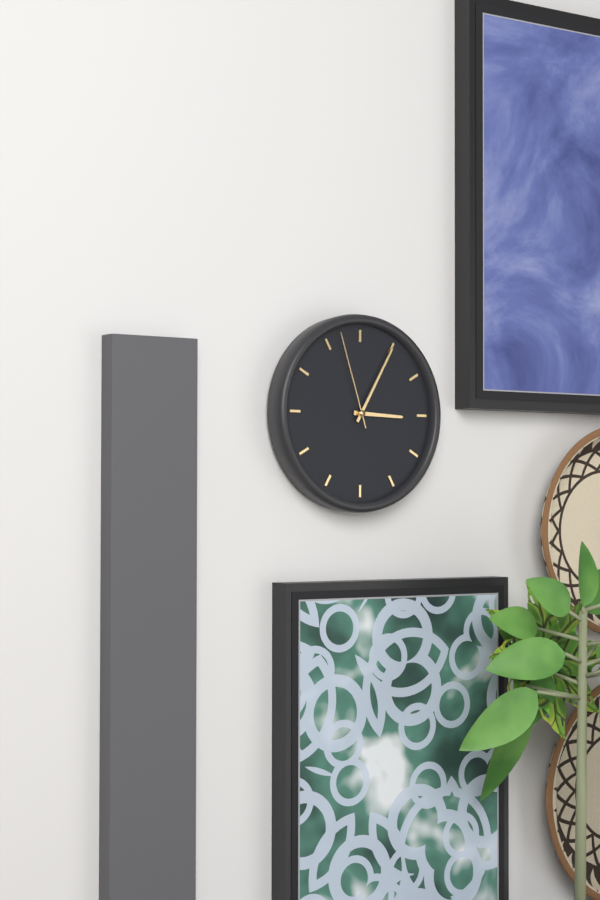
3.05.57
